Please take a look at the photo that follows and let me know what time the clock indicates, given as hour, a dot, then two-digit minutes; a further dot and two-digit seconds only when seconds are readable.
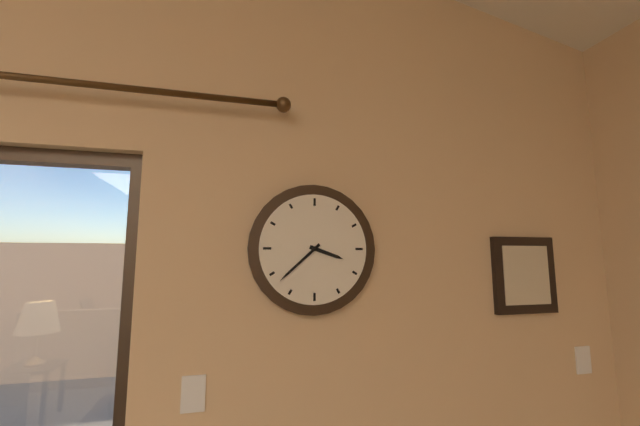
3.38
